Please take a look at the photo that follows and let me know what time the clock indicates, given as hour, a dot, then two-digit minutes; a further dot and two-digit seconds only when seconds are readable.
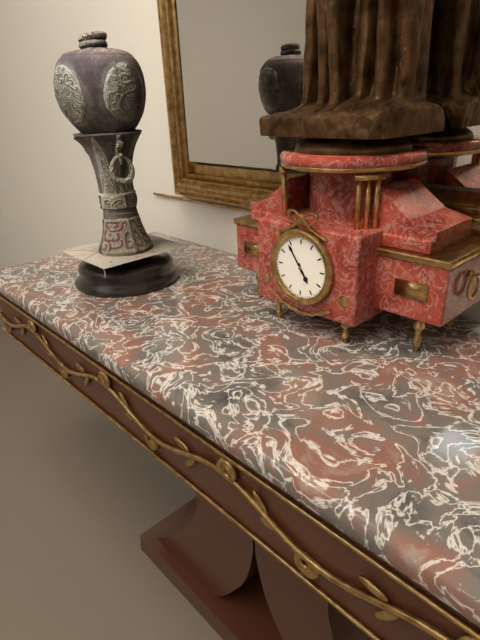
4.54
